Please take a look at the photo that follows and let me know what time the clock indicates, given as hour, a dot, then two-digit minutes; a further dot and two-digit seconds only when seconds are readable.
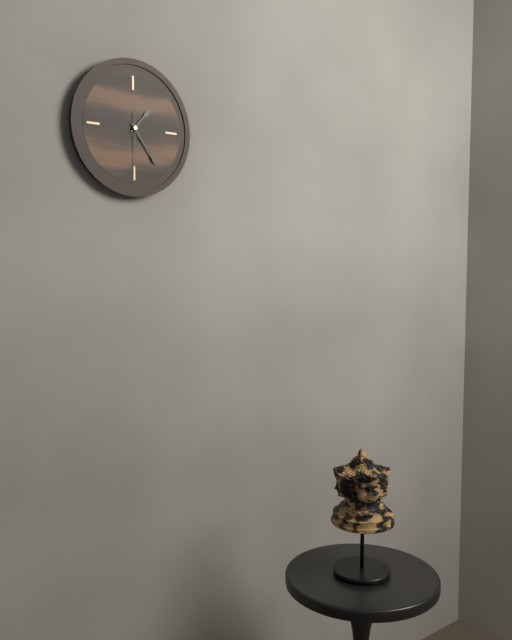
1.24.30
